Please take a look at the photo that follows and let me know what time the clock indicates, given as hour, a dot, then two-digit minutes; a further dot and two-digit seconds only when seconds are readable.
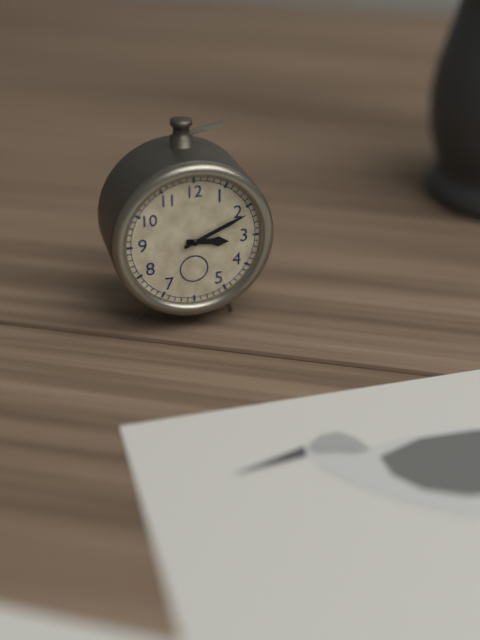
3.11
